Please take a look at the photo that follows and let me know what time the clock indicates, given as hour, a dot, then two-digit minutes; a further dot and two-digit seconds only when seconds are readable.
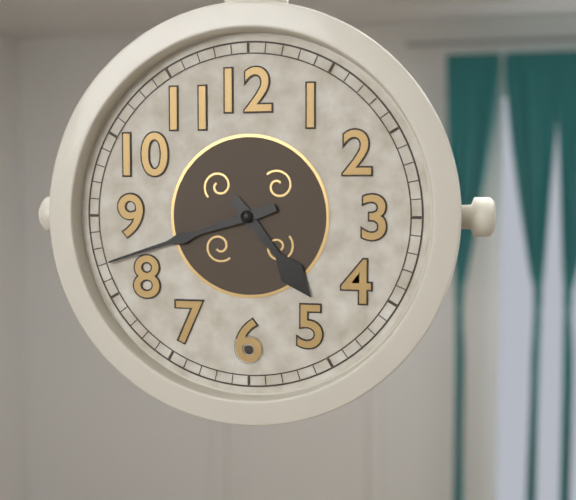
4.42
